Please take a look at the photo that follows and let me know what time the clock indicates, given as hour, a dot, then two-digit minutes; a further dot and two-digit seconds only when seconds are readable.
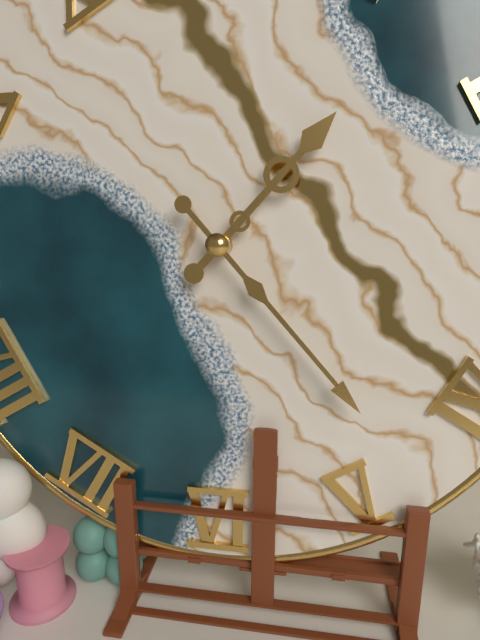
1.23
